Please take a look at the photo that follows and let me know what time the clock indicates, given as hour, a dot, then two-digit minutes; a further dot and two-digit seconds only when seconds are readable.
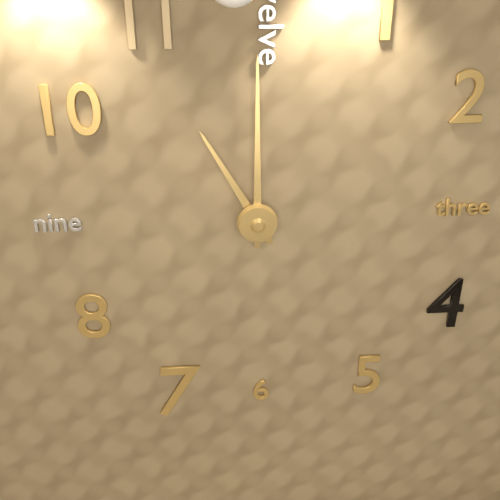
11.00
